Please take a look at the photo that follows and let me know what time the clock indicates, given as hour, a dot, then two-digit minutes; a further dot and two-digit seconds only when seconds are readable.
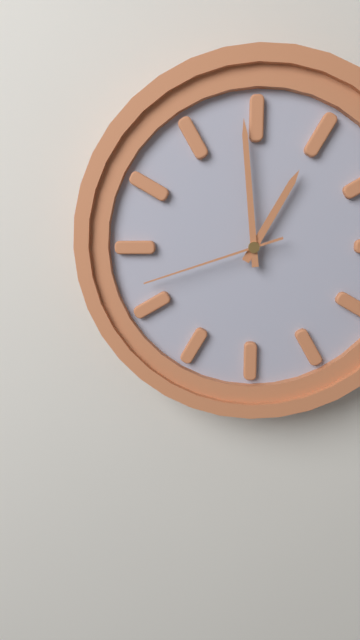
12.59.42
